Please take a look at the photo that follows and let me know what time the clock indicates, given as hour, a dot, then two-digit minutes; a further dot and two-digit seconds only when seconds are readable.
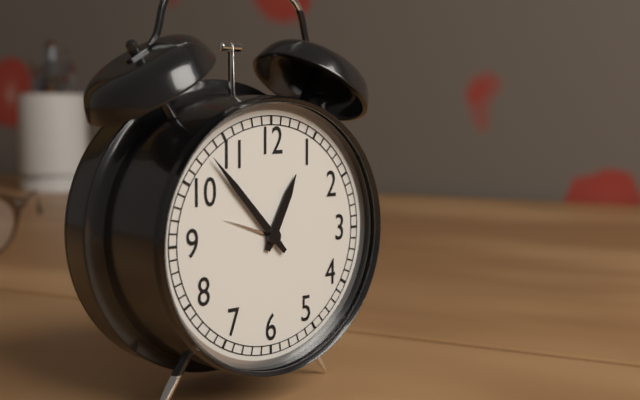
12.53
